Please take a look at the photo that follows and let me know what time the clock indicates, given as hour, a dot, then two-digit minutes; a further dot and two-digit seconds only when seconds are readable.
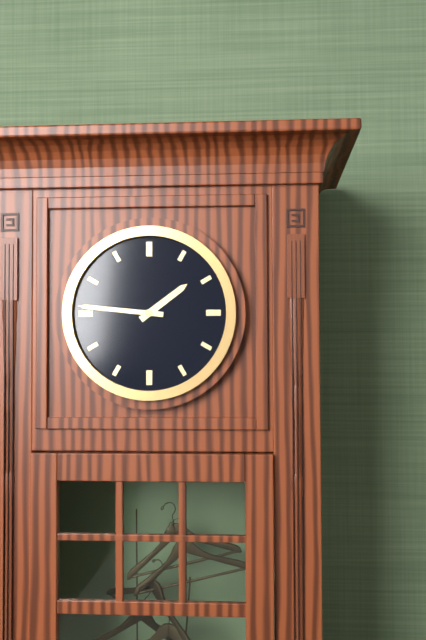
1.46
